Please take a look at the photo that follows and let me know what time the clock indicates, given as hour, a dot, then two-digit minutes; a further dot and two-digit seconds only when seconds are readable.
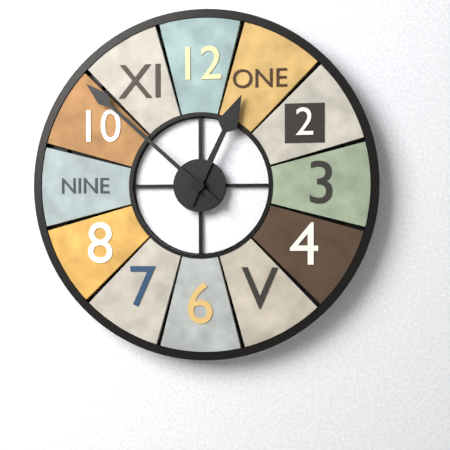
12.52
